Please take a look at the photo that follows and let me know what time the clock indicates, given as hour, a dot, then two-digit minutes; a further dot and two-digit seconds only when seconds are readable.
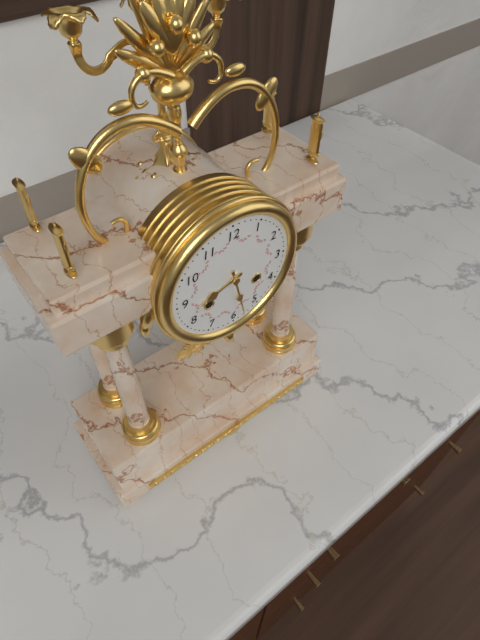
8.28
